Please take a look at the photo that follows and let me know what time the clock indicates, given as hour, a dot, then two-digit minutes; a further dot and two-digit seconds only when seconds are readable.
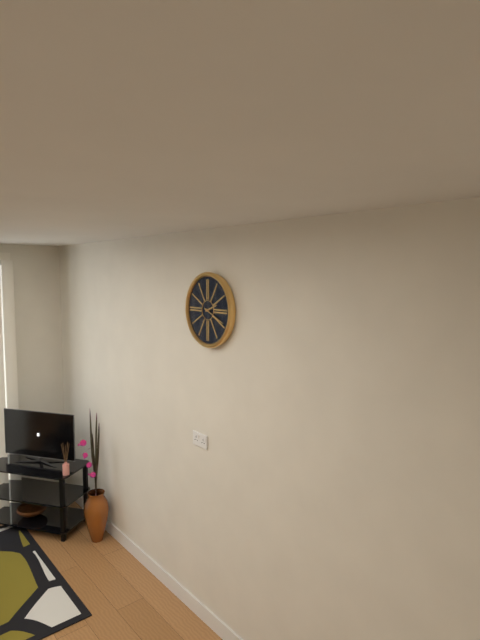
2.19
